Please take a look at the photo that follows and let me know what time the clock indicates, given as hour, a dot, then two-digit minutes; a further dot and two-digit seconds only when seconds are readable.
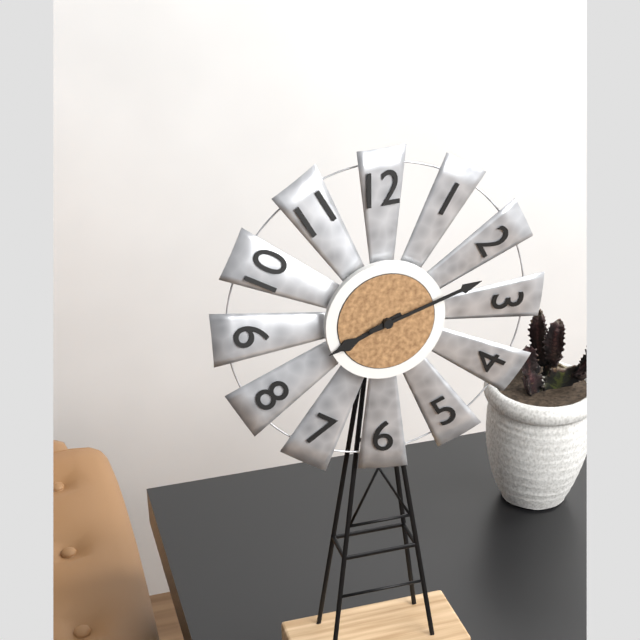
8.12
